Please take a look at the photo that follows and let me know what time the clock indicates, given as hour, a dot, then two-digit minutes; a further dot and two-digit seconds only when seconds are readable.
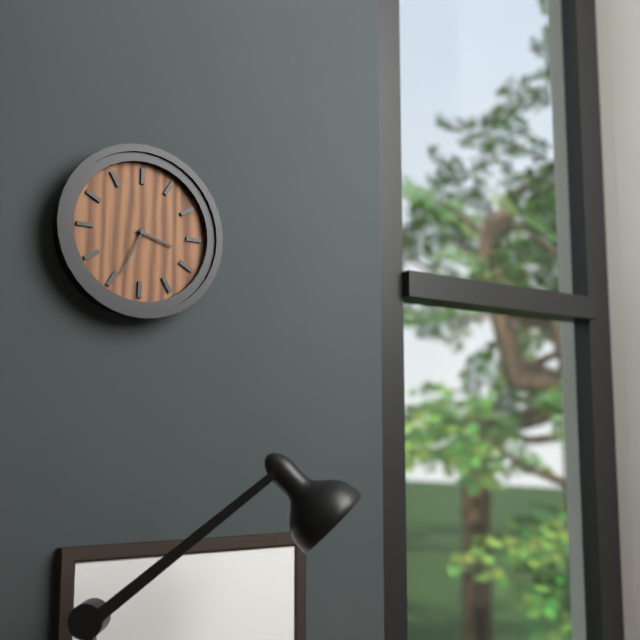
3.34
